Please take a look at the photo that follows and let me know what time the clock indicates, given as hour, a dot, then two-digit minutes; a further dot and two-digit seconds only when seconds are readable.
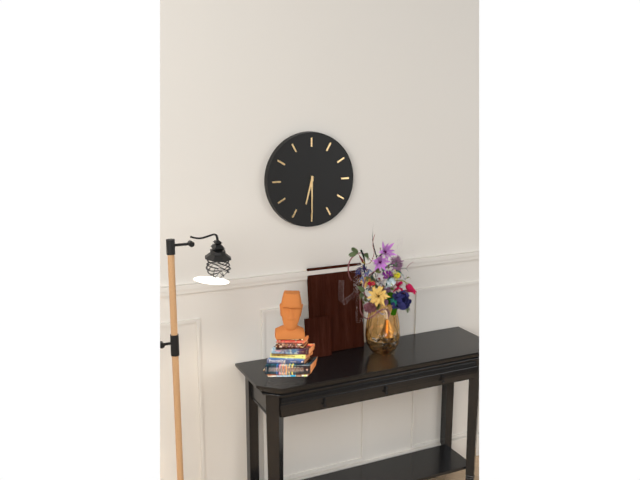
6.30
